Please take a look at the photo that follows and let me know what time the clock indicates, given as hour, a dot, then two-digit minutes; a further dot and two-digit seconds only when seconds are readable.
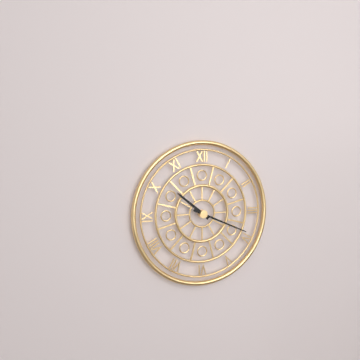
10.19
